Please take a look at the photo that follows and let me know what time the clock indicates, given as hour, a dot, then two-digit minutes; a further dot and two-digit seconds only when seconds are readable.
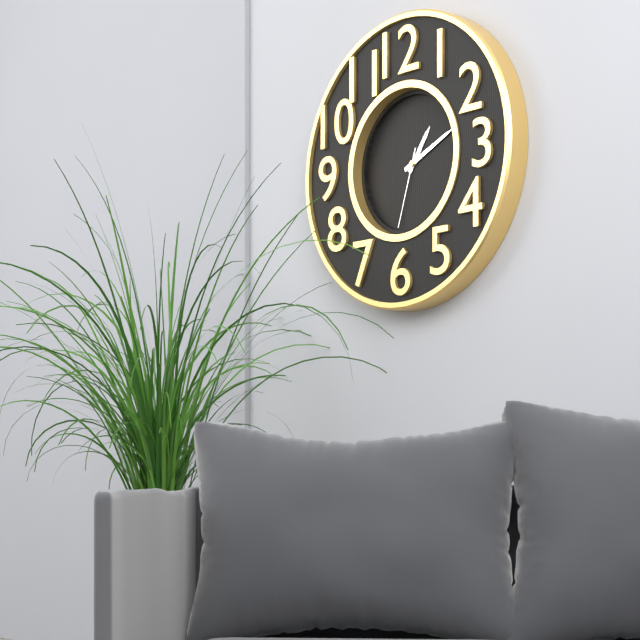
1.11.33
